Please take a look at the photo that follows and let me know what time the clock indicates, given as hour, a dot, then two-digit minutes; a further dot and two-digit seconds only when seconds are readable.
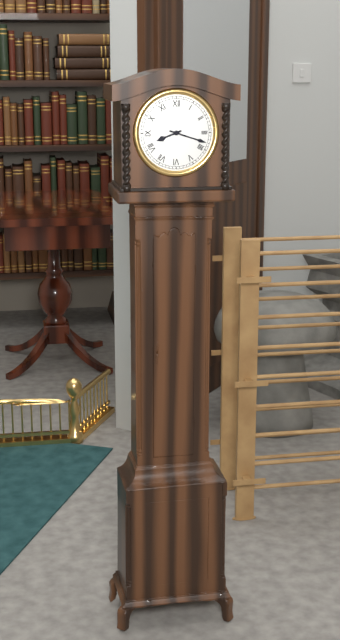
8.18
